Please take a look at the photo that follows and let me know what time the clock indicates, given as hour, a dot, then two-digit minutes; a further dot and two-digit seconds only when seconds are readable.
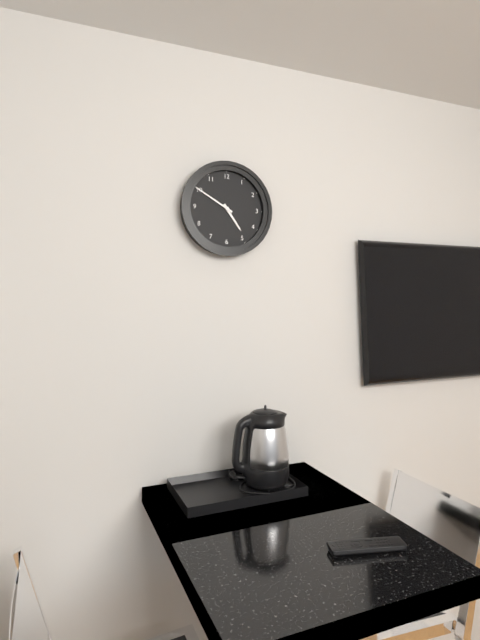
4.50
